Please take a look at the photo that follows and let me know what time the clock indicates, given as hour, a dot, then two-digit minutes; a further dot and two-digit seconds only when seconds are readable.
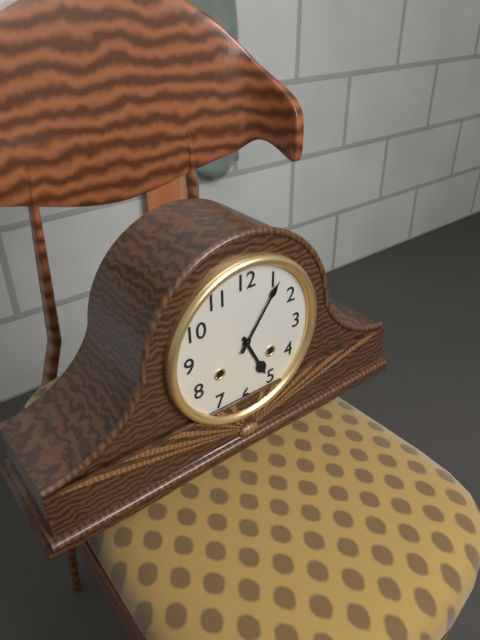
5.06
